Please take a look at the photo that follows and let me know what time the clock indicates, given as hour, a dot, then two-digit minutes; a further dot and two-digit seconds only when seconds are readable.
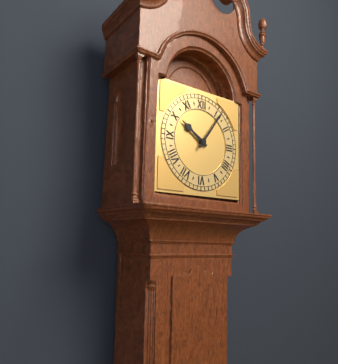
10.06
